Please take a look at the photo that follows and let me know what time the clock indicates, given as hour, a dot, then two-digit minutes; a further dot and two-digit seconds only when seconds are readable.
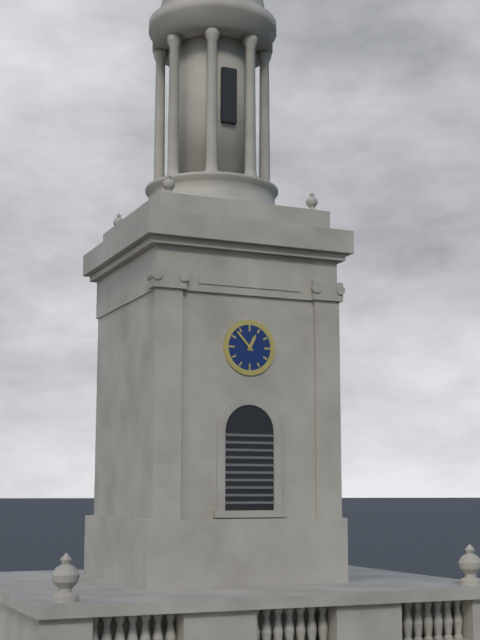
12.53
